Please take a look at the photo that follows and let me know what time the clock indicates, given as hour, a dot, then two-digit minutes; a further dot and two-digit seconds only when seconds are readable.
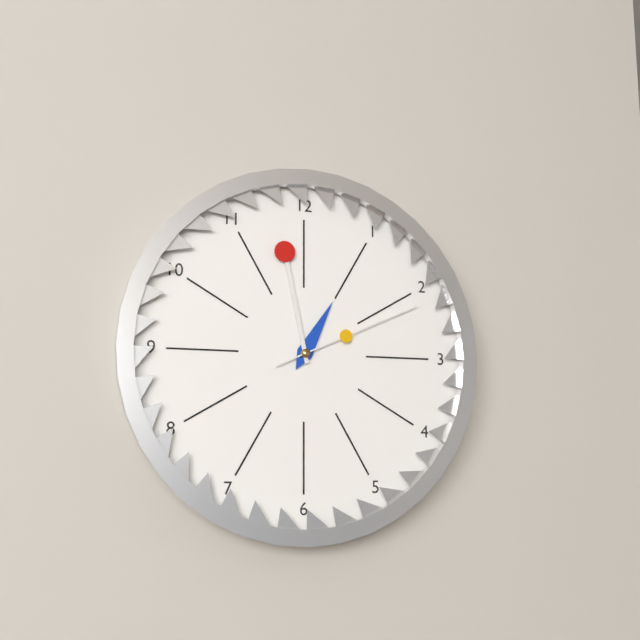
12.58.11
